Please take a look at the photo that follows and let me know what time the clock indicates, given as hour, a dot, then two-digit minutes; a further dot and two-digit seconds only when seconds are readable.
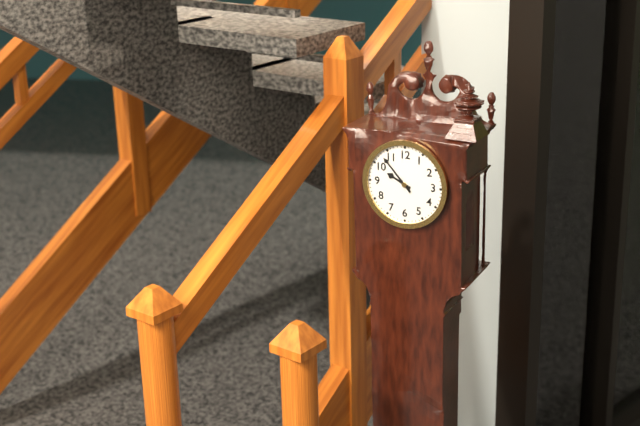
9.53
